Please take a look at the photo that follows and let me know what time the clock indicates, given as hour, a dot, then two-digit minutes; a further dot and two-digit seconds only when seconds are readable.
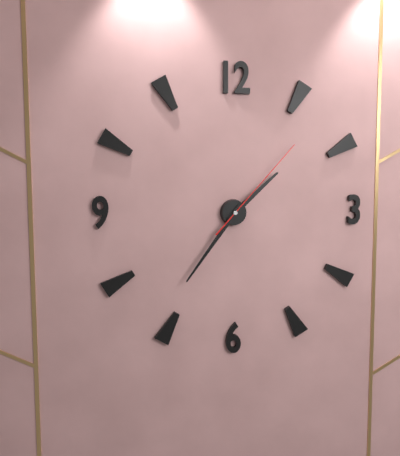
1.36.07
